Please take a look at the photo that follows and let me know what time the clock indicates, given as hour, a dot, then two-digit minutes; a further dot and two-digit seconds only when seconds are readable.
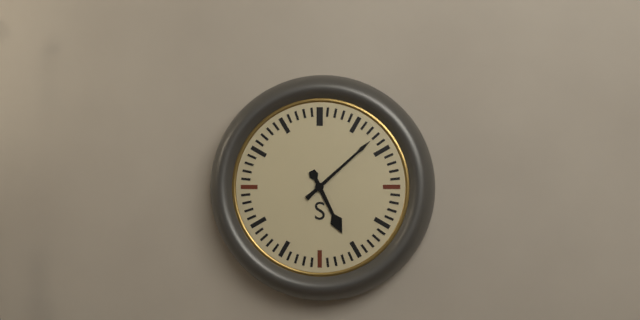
5.08
